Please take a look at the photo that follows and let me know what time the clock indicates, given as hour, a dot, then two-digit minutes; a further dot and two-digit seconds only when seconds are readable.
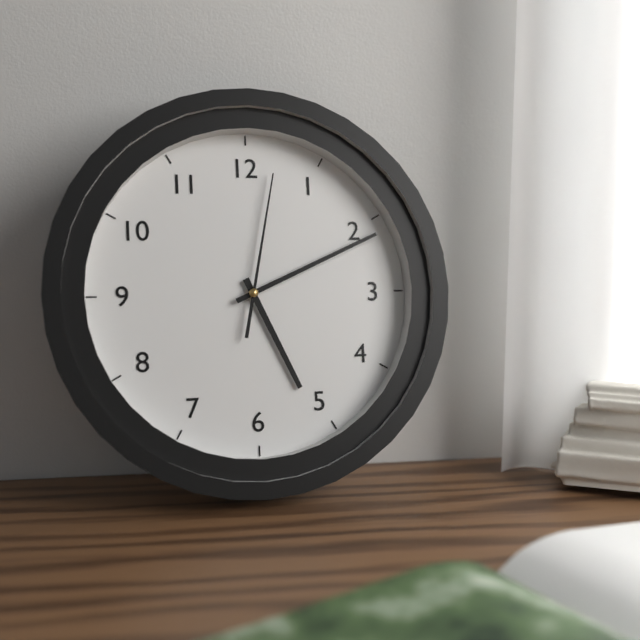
5.11.02
